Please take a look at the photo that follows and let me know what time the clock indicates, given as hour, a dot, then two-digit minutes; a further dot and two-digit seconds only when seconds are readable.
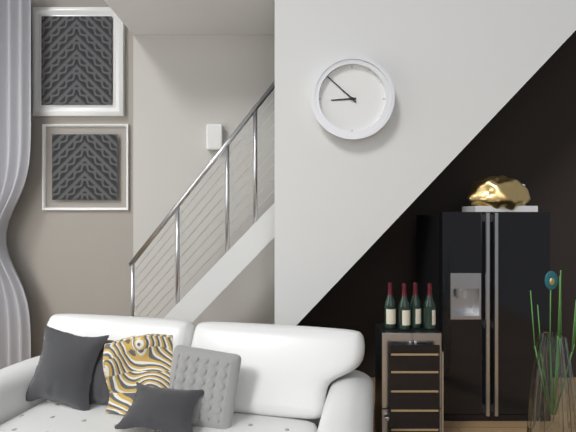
8.52
